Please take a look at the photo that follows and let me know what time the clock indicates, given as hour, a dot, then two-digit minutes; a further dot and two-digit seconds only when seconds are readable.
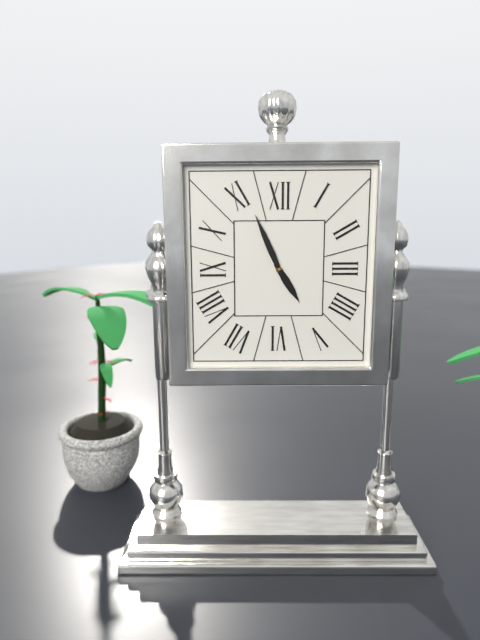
4.56
